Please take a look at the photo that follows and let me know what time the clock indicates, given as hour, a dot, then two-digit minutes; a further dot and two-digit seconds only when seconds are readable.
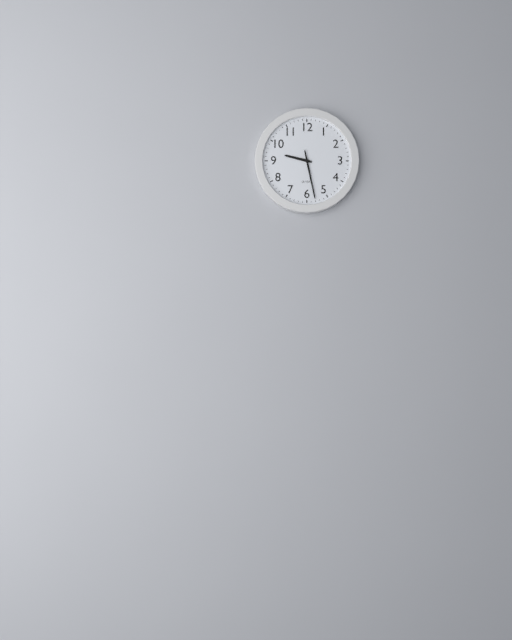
9.28
